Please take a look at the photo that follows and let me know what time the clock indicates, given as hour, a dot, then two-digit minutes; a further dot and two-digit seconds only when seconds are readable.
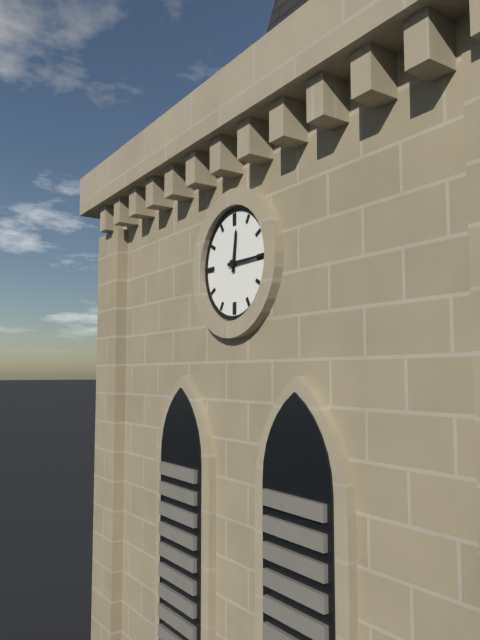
12.15
